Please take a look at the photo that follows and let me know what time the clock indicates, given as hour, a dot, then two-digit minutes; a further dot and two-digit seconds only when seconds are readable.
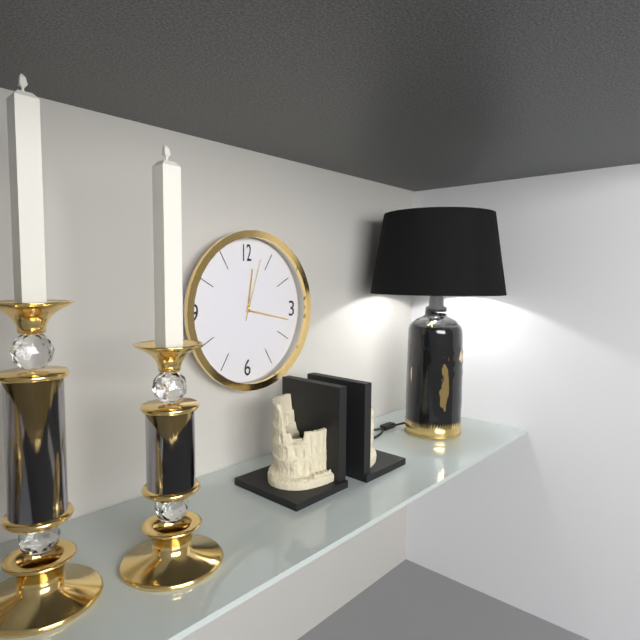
12.17.03
